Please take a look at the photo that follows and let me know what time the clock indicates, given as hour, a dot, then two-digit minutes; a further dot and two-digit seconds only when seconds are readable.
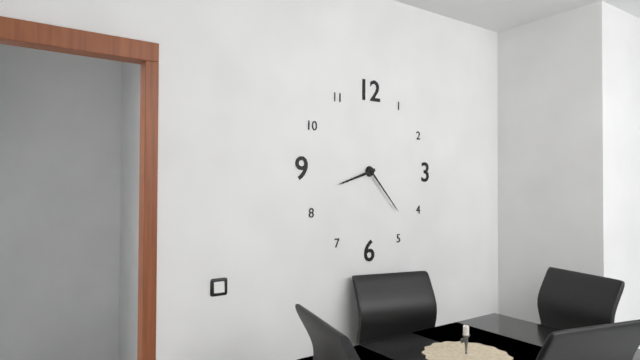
8.23
